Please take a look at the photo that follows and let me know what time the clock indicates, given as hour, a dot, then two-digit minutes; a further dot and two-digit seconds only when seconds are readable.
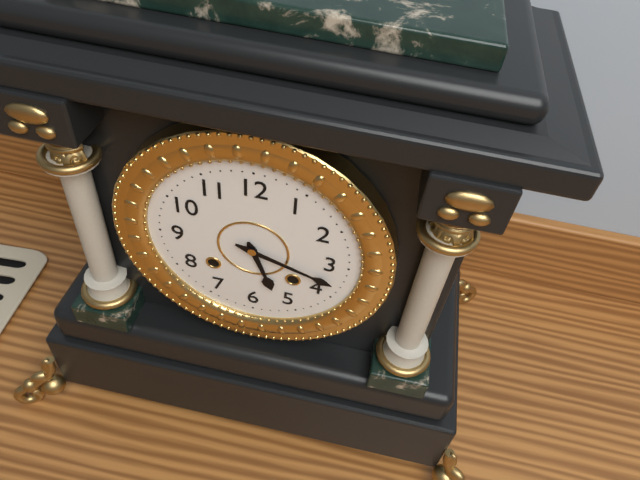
5.18
